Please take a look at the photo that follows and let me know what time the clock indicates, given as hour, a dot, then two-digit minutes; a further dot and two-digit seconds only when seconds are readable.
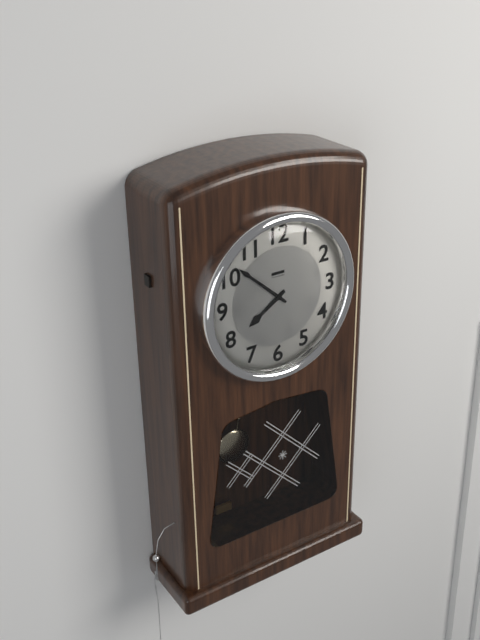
7.52
